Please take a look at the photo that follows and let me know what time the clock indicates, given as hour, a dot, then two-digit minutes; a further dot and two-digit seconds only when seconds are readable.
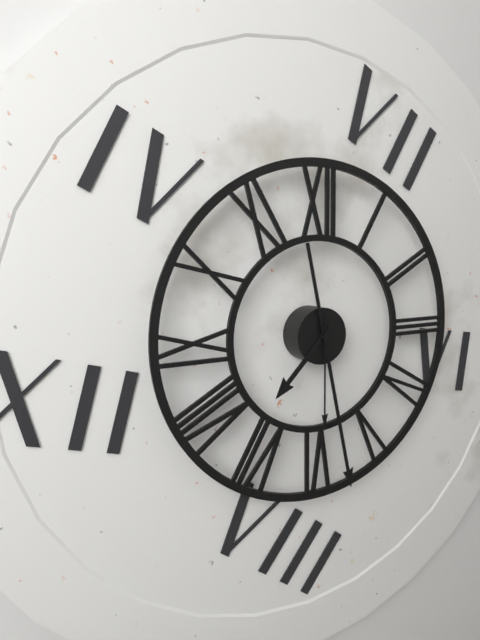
7.28.30
